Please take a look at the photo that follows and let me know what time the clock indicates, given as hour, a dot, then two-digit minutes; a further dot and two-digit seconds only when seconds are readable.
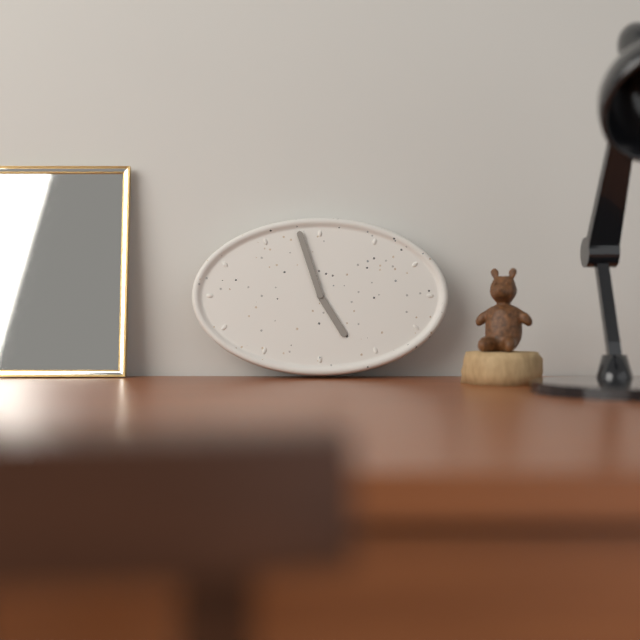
4.57
